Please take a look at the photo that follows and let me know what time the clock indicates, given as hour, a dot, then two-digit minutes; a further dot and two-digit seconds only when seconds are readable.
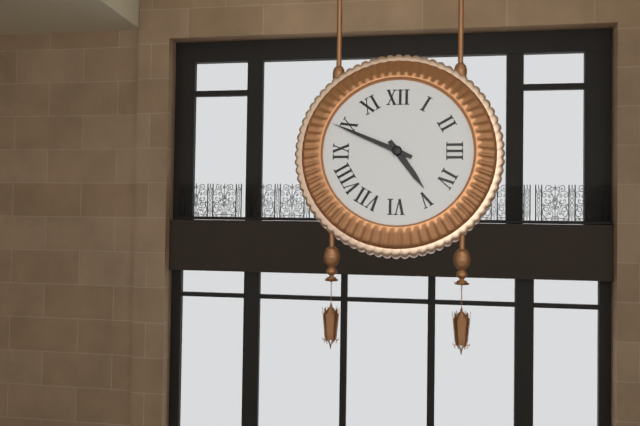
4.49
